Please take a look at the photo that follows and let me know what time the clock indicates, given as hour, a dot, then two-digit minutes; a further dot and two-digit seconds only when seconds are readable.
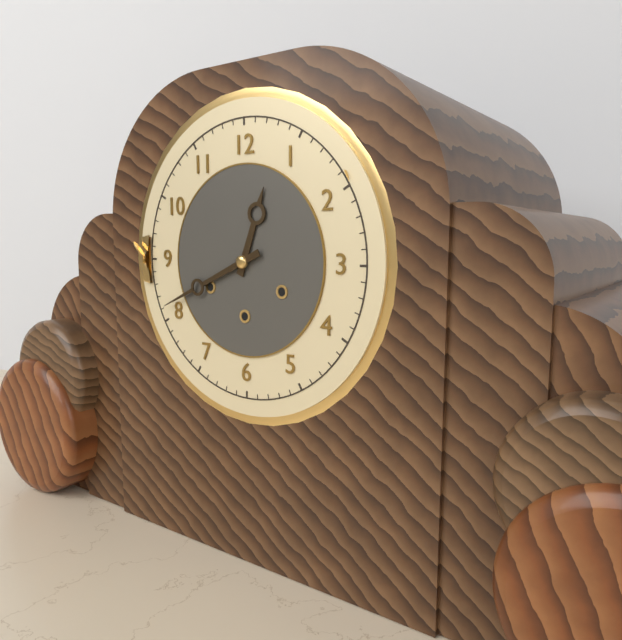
12.41
